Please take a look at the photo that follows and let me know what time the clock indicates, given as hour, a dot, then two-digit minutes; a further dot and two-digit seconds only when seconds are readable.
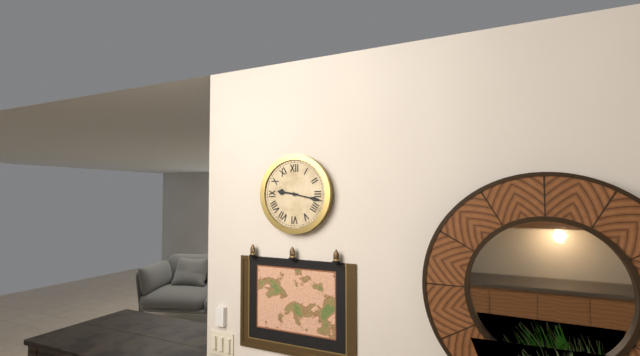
9.17
